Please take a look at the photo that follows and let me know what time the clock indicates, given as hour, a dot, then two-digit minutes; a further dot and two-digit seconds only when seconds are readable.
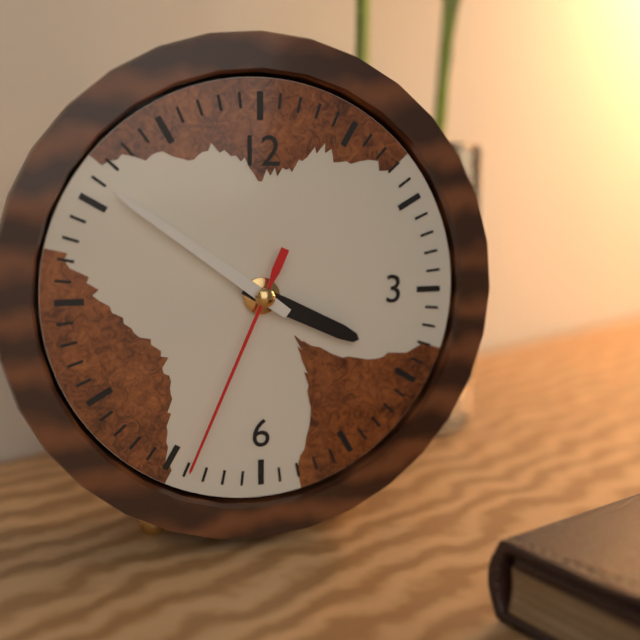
3.51.34
